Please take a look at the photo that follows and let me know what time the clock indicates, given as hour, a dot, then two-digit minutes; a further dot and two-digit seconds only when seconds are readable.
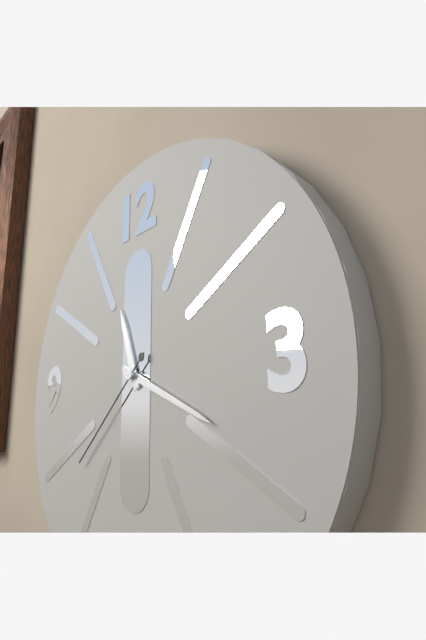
11.19.38
